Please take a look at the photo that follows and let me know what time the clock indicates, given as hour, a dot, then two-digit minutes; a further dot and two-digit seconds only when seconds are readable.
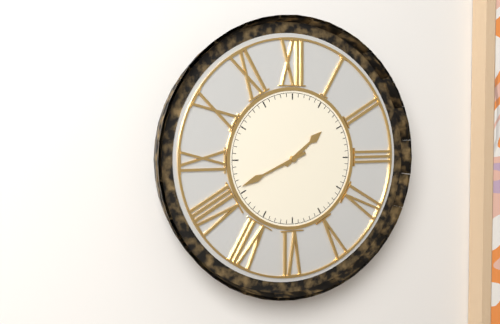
1.41
